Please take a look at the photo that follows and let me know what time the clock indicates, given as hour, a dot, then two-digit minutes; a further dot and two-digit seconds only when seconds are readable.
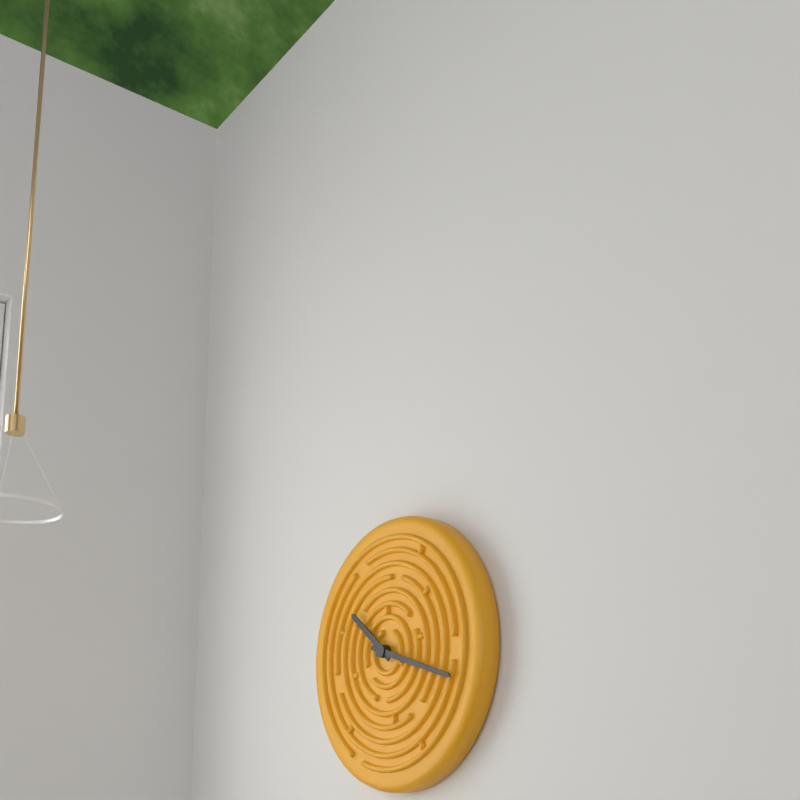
10.18
